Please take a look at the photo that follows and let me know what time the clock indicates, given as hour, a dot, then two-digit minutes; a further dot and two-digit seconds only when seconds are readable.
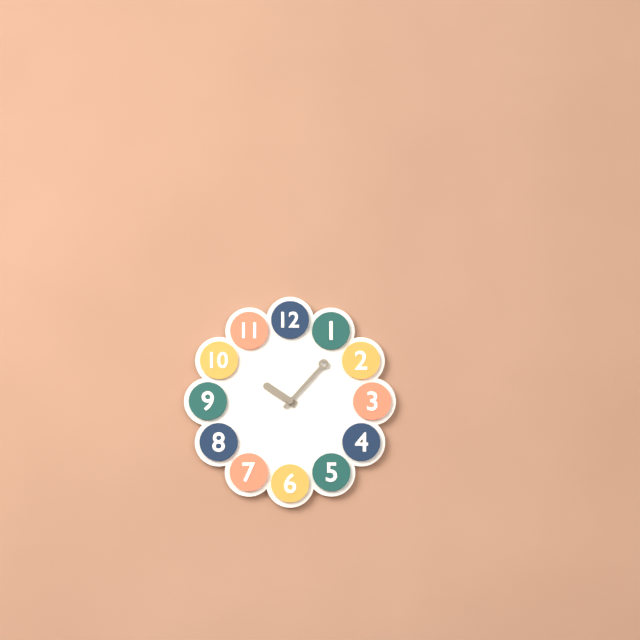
10.07
